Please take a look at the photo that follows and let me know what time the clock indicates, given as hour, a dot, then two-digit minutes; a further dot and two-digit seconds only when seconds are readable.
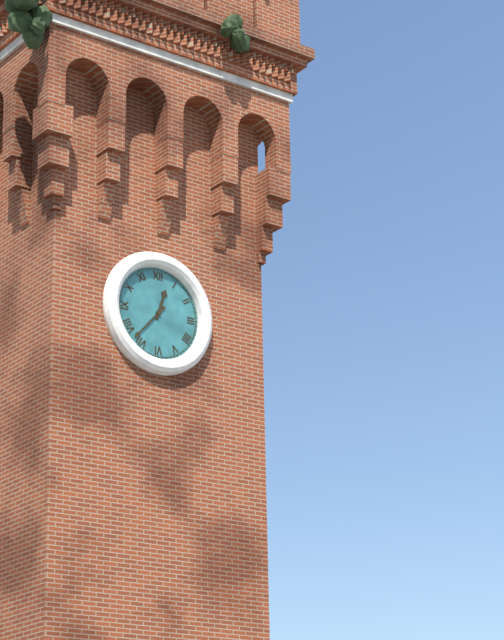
12.37
